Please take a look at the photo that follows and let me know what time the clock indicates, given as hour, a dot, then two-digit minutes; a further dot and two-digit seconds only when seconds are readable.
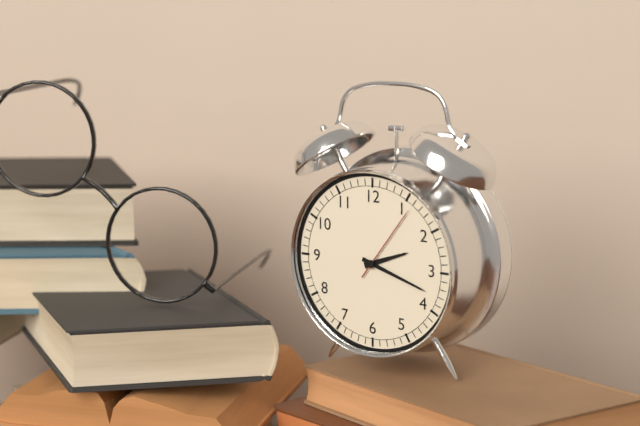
2.18.06
